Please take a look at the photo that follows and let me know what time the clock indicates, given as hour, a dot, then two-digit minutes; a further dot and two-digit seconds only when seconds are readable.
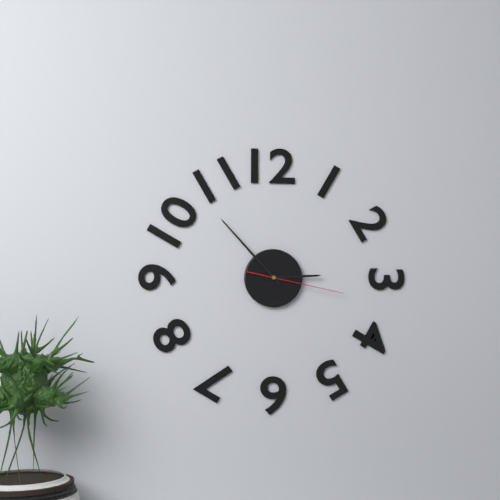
2.53.17
